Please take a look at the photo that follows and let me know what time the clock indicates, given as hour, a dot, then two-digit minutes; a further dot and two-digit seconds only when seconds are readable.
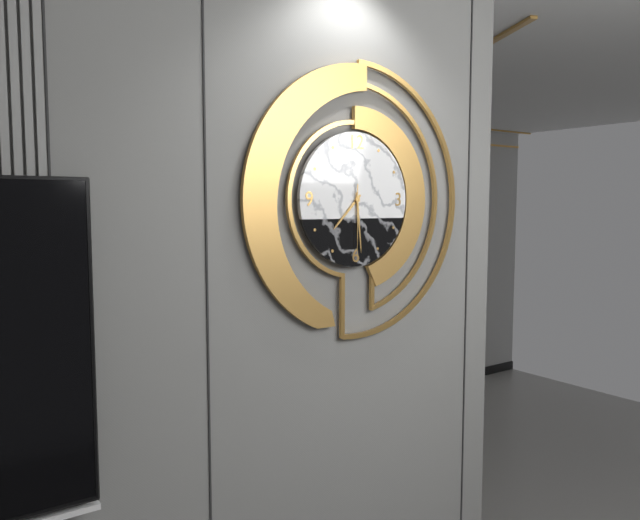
7.29.30
